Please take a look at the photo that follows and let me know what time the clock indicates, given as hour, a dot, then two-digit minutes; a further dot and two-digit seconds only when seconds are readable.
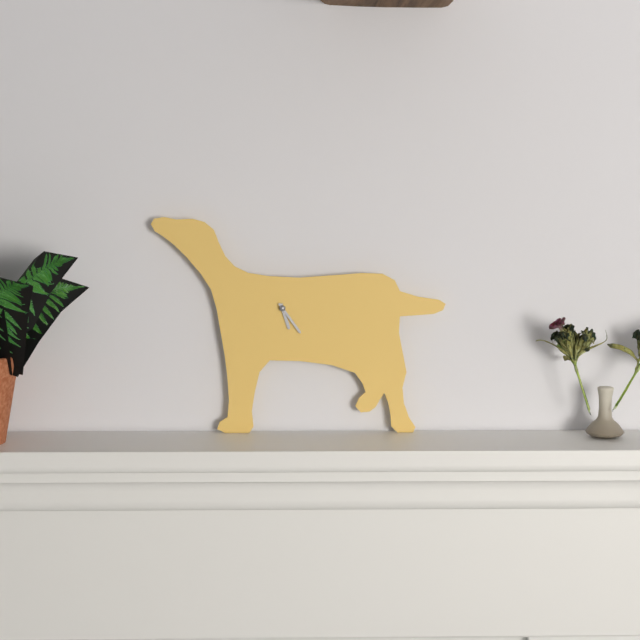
5.24
